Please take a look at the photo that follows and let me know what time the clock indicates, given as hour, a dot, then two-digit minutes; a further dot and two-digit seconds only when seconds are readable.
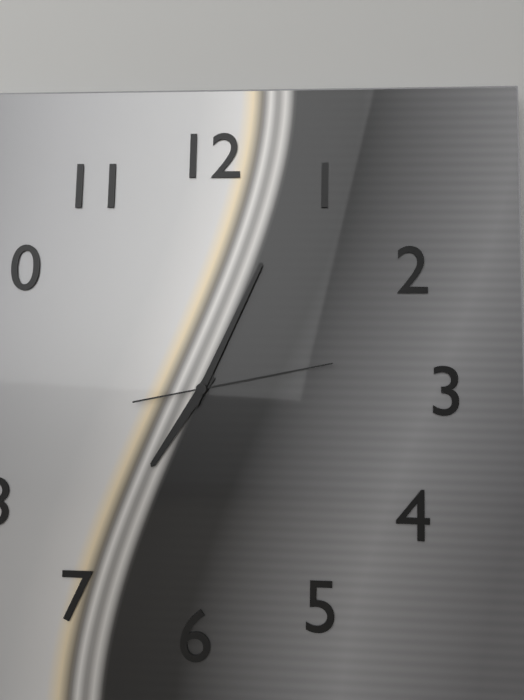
7.04.13
